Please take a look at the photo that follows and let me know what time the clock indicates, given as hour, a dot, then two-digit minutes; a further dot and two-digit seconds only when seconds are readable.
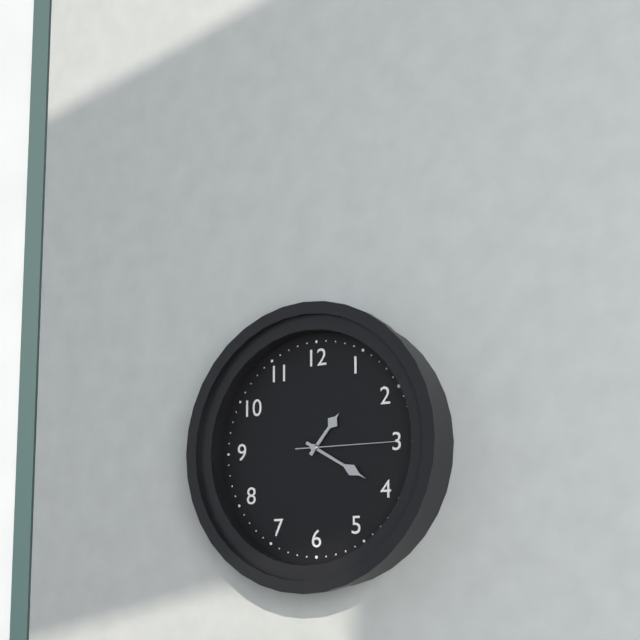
1.20.15
